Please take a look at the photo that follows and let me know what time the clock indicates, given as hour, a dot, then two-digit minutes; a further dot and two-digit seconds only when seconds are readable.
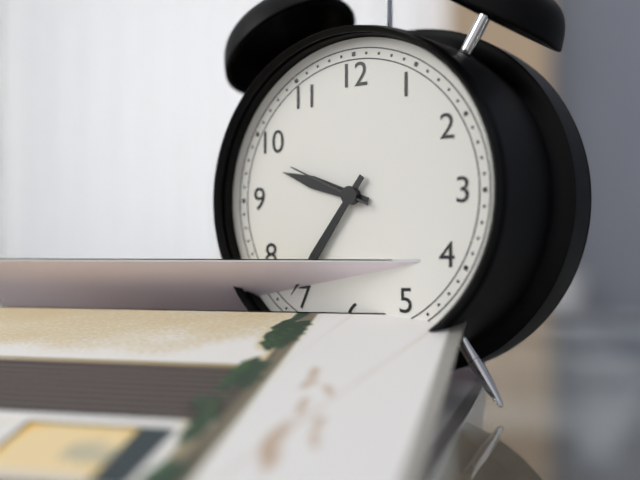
9.36.49
